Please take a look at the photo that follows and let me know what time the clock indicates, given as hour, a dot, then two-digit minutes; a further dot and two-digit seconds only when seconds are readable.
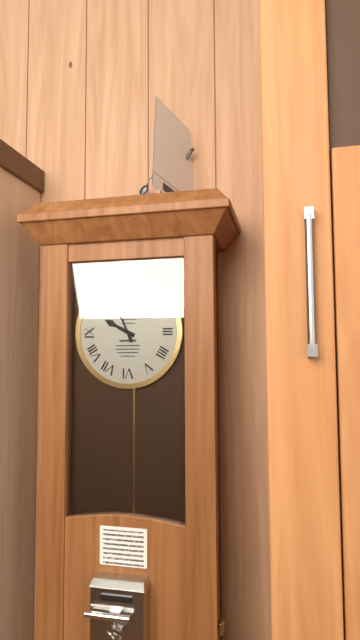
9.56
